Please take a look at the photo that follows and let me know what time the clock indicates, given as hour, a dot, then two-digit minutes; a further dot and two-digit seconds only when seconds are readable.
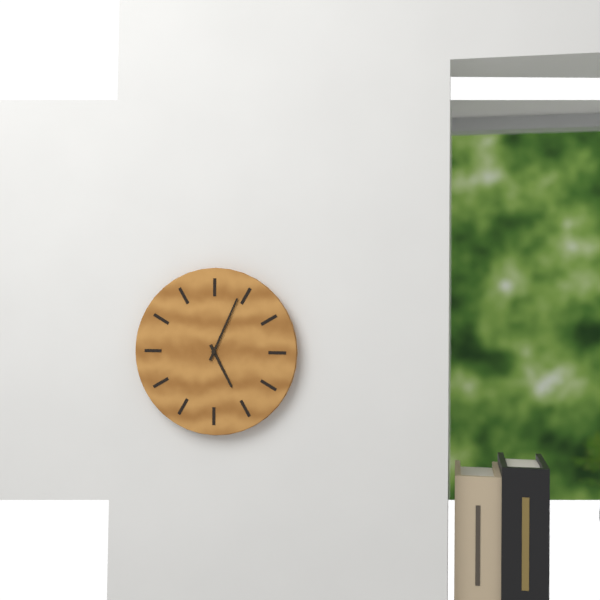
5.04
